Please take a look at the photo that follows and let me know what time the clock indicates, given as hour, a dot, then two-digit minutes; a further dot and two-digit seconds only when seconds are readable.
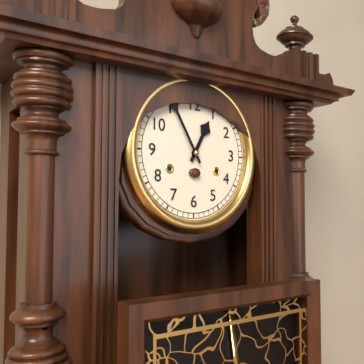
12.55
